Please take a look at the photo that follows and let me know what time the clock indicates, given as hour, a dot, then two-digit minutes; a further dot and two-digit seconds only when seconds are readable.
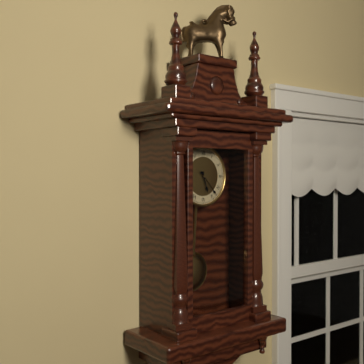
5.23
